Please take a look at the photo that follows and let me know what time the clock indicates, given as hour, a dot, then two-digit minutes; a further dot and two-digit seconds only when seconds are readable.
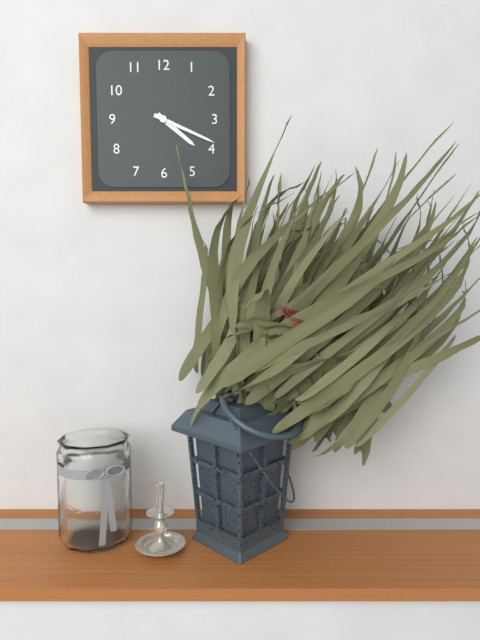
4.19
